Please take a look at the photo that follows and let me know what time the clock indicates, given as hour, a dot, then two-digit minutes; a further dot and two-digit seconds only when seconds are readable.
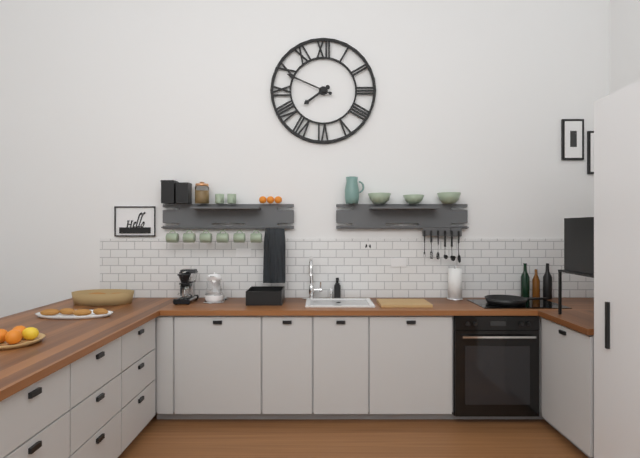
7.49
